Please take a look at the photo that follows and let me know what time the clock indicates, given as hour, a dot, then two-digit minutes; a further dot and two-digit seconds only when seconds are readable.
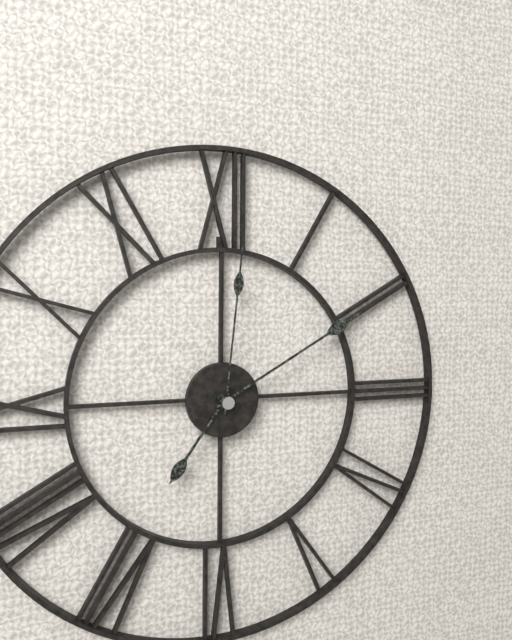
7.10.01
